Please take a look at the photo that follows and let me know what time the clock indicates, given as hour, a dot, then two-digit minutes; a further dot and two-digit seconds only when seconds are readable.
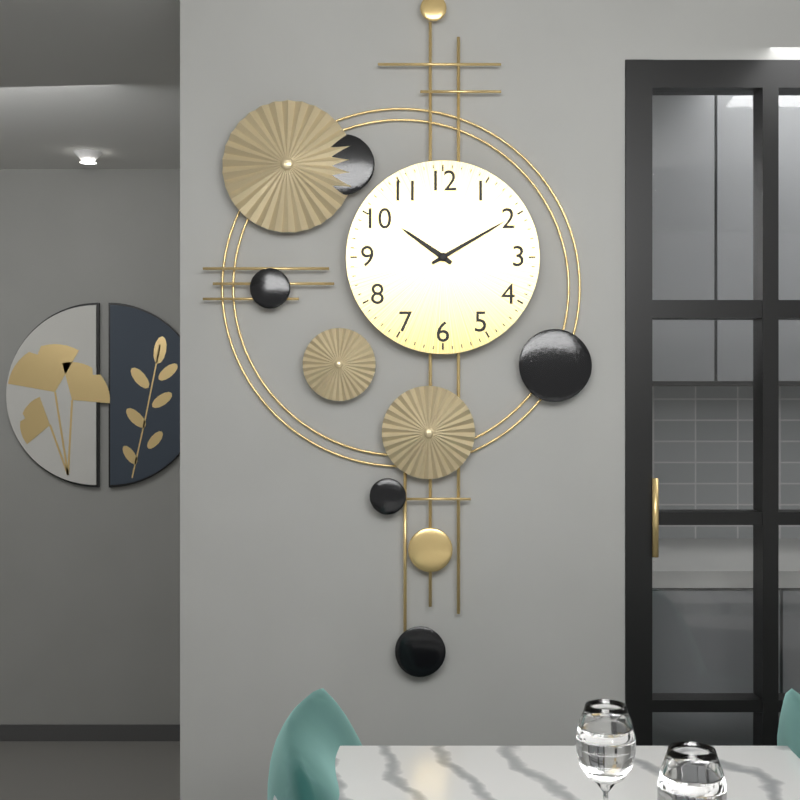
10.10
